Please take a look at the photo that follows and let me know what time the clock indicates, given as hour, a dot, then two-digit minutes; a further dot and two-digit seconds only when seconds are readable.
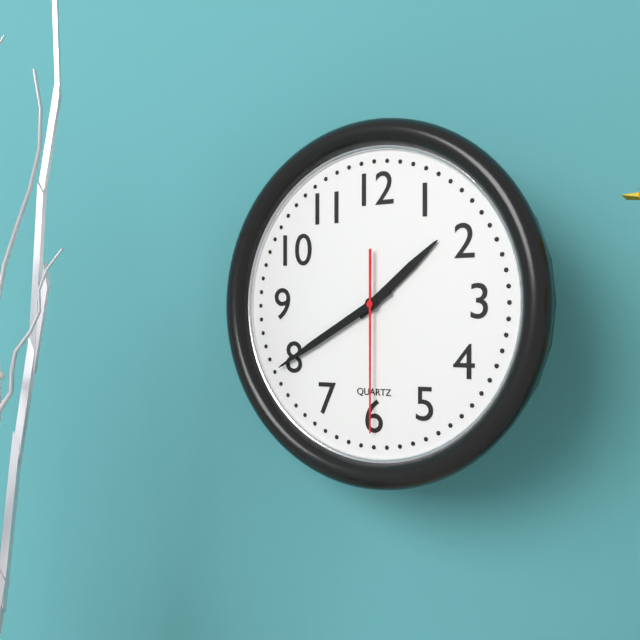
1.40.30
